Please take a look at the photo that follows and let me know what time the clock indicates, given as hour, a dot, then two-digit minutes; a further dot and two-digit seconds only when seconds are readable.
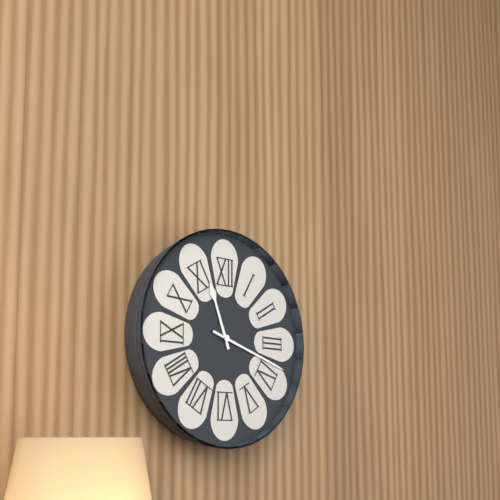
11.18
